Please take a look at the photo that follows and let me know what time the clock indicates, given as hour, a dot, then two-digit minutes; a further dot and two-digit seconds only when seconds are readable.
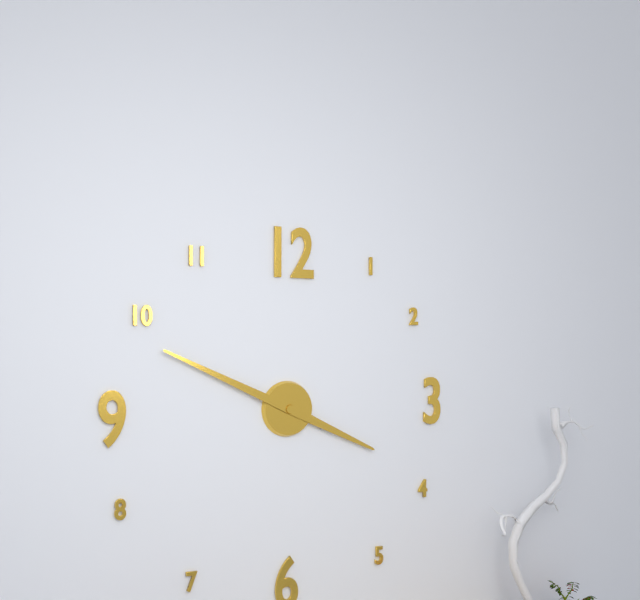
3.49
